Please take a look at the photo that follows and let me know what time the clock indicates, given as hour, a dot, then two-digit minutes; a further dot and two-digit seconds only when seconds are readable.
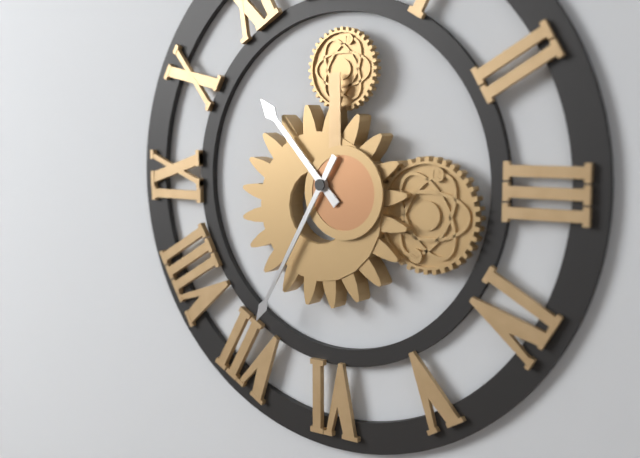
10.35
